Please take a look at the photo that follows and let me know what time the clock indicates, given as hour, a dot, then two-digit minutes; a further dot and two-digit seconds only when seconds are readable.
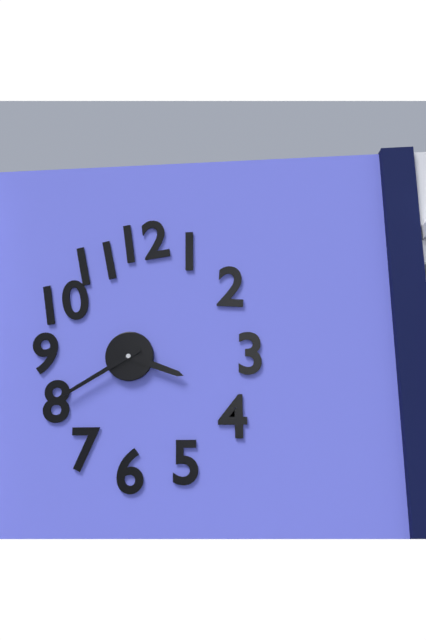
3.40
